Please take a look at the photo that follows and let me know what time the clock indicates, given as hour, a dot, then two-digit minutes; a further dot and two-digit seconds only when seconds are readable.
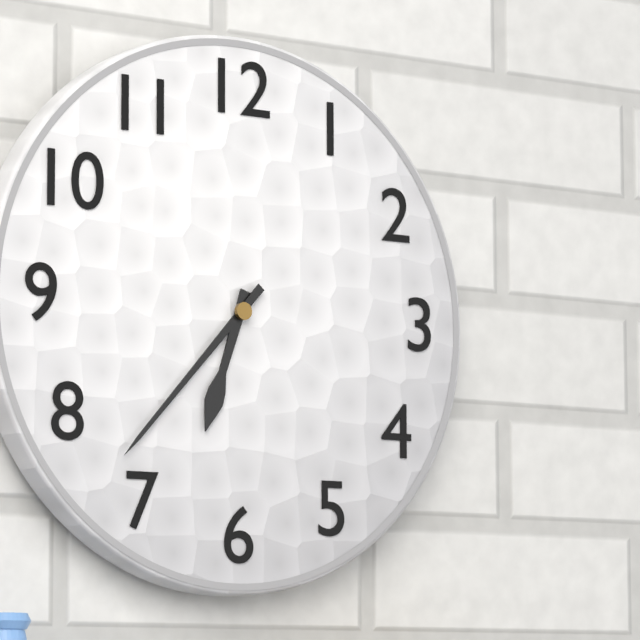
6.37
